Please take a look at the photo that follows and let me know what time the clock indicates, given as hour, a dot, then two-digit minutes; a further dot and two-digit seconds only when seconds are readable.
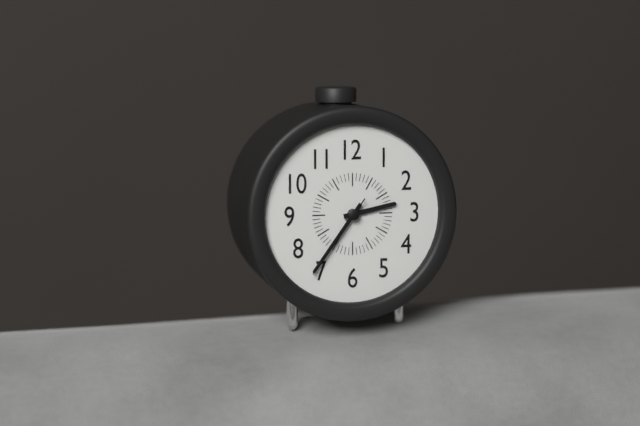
2.36.36
